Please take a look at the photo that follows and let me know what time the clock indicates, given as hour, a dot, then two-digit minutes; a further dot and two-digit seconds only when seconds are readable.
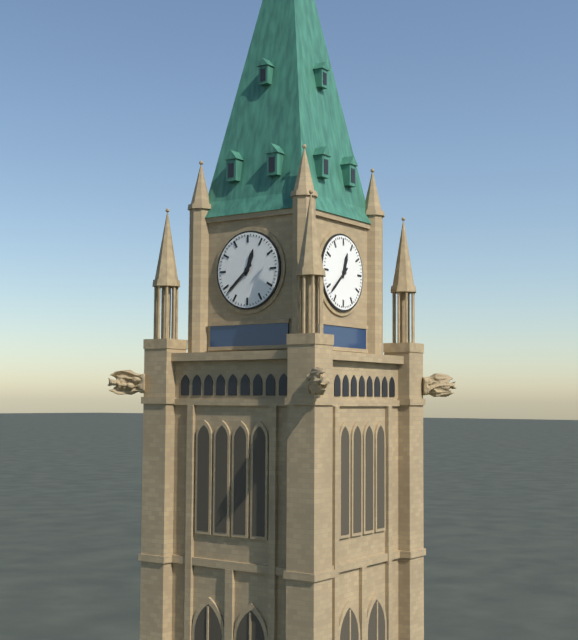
12.38
